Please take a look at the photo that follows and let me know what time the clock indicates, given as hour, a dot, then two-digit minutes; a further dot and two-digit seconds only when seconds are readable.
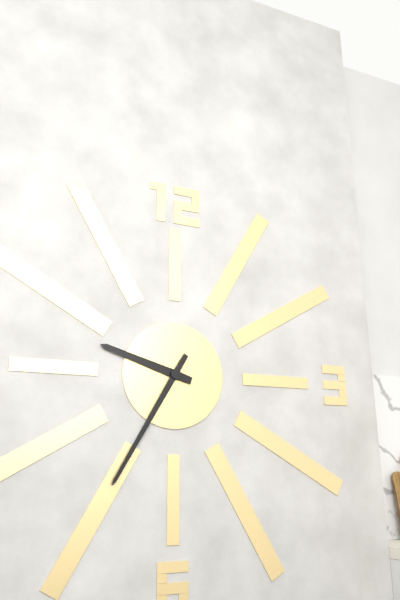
9.35
